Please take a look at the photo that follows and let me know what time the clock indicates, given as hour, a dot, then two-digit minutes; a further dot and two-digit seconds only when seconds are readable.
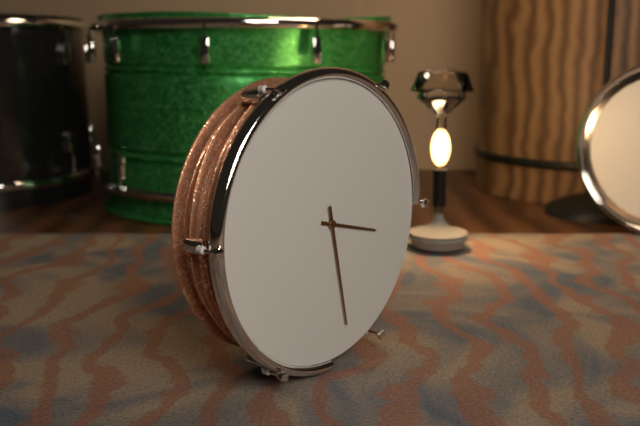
3.28
